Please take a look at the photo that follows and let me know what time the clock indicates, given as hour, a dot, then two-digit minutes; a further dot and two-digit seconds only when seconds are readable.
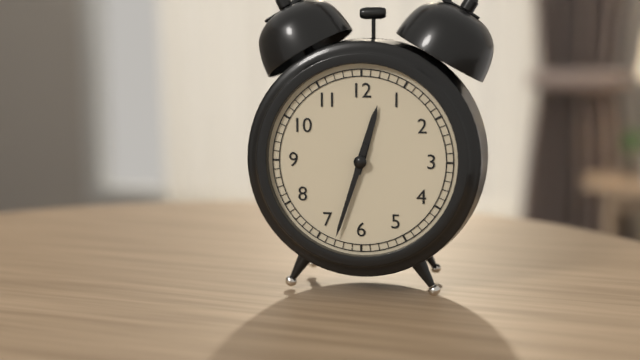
12.33
